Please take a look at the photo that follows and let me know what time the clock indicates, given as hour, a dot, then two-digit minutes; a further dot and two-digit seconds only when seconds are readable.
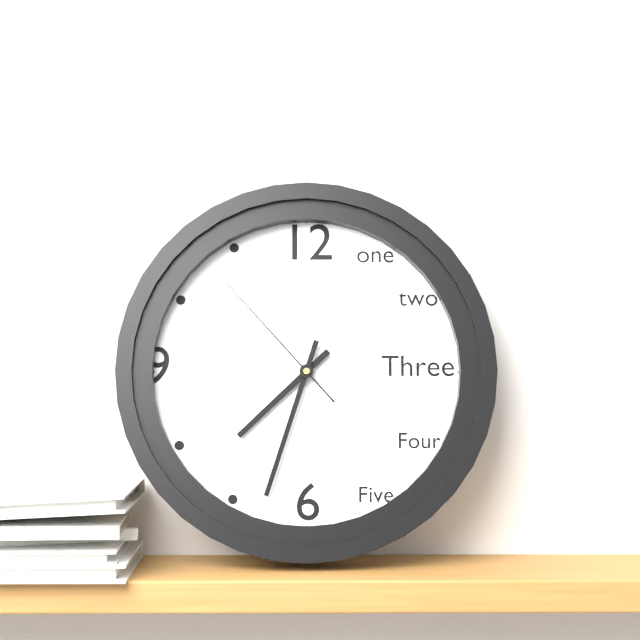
7.33.53
